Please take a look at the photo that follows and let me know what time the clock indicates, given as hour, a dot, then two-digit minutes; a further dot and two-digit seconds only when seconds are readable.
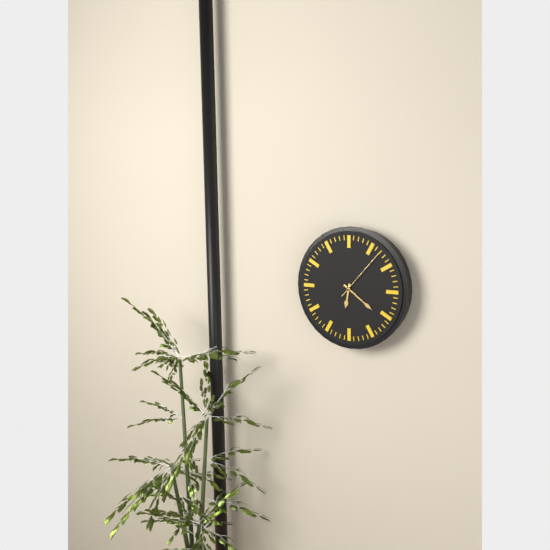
6.21.07
